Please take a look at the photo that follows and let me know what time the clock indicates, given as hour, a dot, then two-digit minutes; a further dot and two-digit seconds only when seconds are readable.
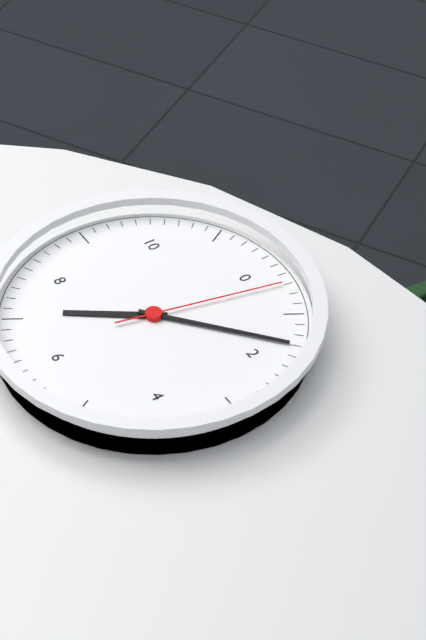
7.08.02
